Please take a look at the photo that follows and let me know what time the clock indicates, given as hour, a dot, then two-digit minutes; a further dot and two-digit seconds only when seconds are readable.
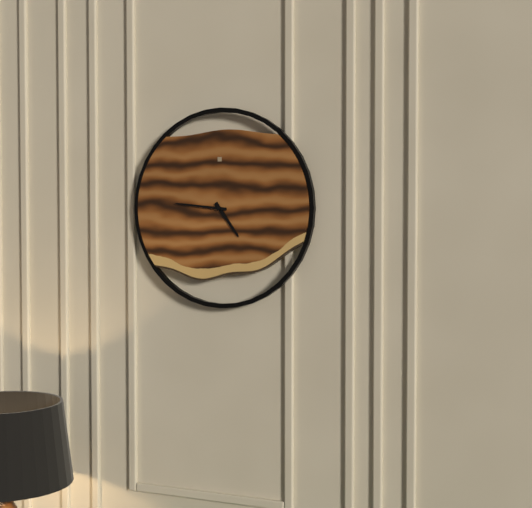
4.46
